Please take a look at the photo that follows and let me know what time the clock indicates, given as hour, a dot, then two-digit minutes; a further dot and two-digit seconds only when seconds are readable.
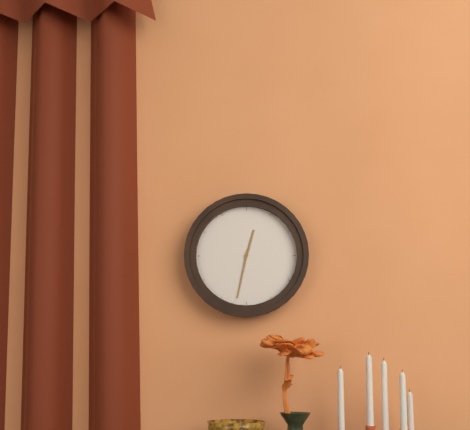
12.32
